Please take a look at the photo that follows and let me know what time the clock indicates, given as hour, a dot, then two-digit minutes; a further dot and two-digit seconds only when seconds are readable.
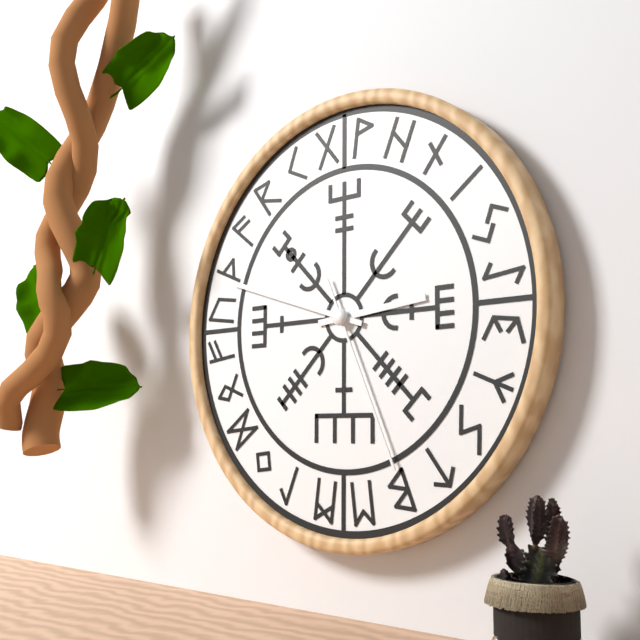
2.48.26
